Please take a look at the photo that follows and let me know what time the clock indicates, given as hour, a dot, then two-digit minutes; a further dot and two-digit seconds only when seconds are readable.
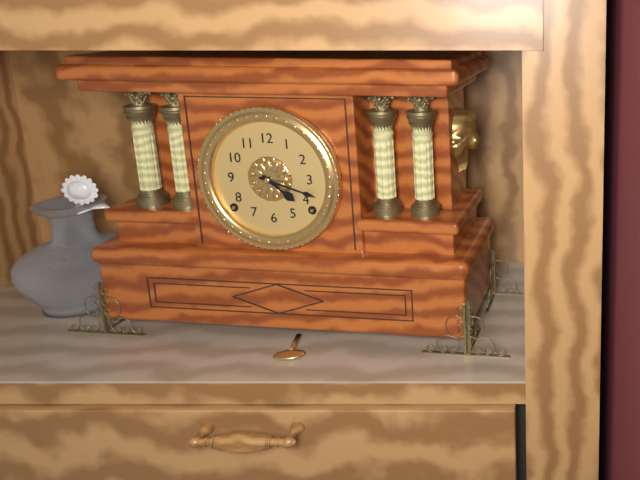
4.18
